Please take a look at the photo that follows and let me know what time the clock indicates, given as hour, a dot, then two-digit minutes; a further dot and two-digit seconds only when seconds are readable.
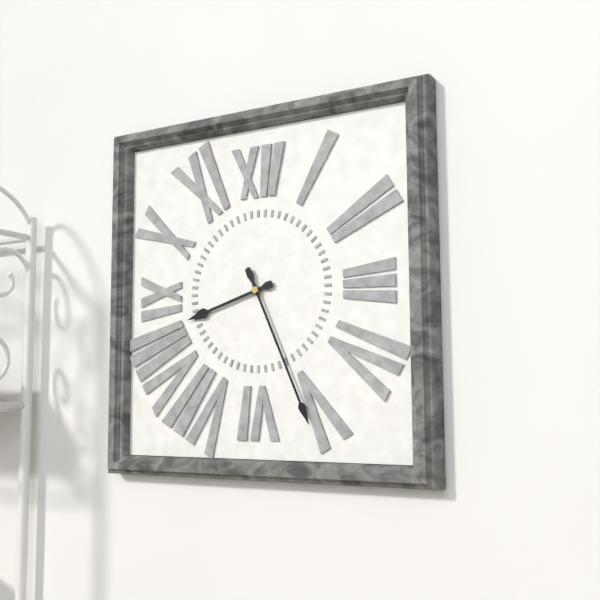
8.26
